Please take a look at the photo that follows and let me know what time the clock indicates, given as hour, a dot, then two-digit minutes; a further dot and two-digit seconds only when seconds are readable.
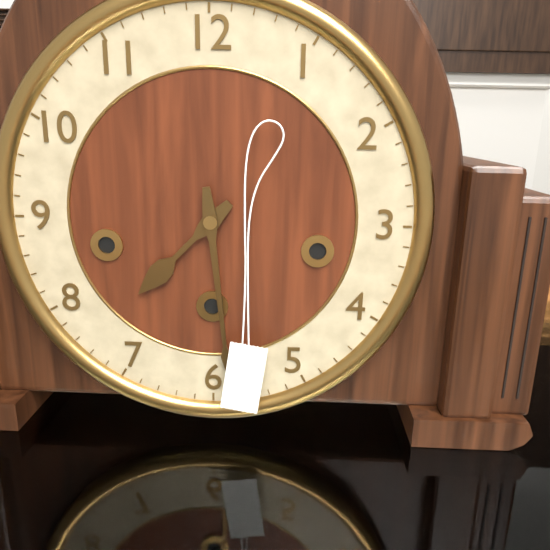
7.29
